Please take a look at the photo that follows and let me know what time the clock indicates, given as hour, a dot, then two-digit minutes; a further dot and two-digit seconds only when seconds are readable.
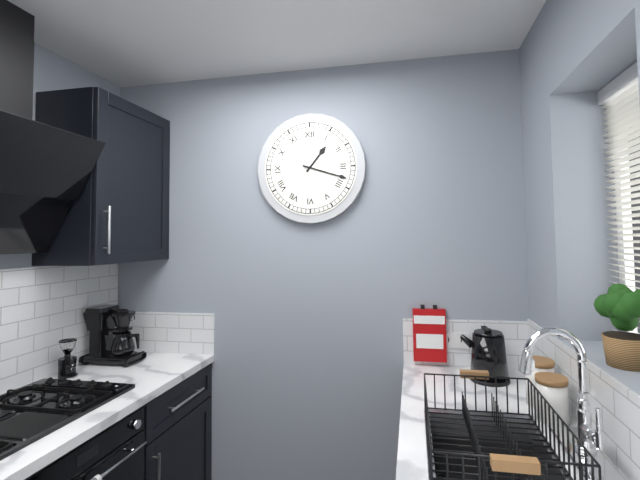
1.18
